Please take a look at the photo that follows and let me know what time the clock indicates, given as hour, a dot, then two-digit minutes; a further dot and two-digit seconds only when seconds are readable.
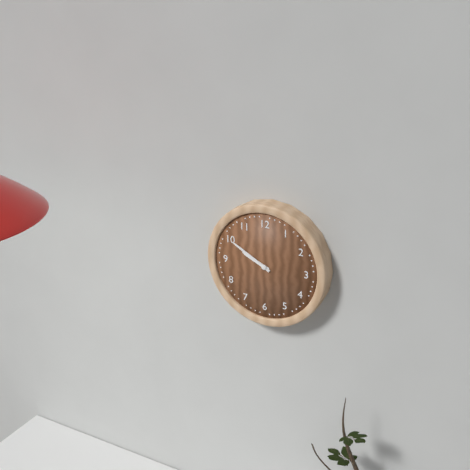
9.50
